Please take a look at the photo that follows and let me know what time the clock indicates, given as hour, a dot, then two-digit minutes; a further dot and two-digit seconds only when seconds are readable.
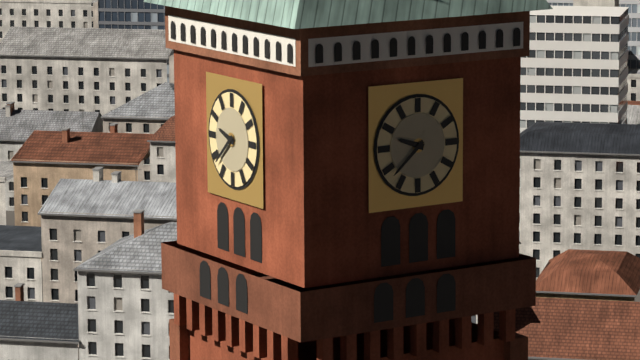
9.38
